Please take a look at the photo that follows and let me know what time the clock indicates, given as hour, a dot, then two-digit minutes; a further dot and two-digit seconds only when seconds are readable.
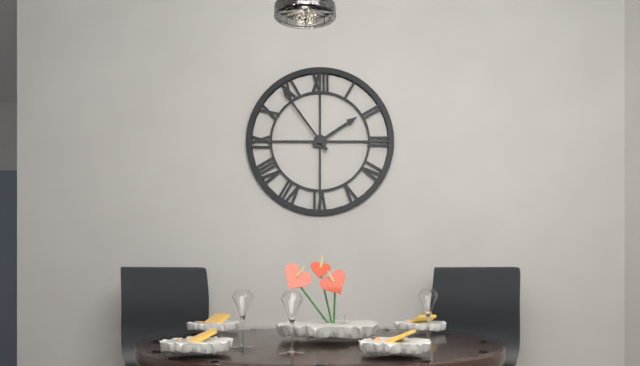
1.54
